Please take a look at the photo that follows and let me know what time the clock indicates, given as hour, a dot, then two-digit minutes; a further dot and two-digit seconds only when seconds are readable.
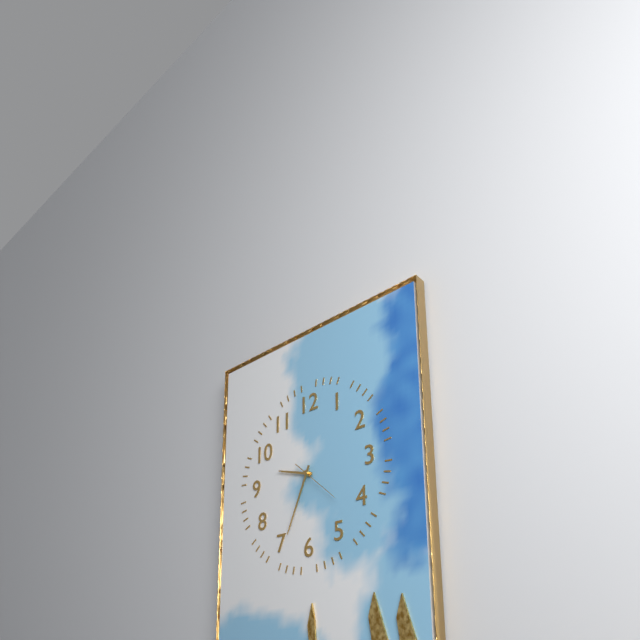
9.34
